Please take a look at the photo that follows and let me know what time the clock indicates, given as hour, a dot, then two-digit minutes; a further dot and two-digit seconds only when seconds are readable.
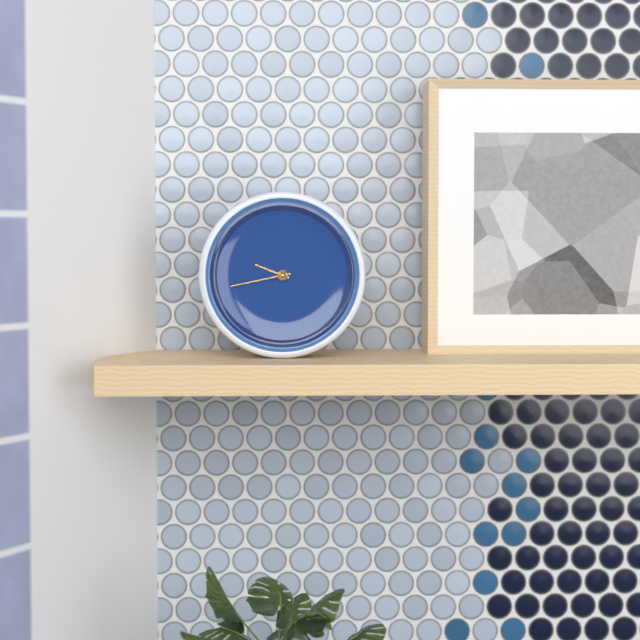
9.43
